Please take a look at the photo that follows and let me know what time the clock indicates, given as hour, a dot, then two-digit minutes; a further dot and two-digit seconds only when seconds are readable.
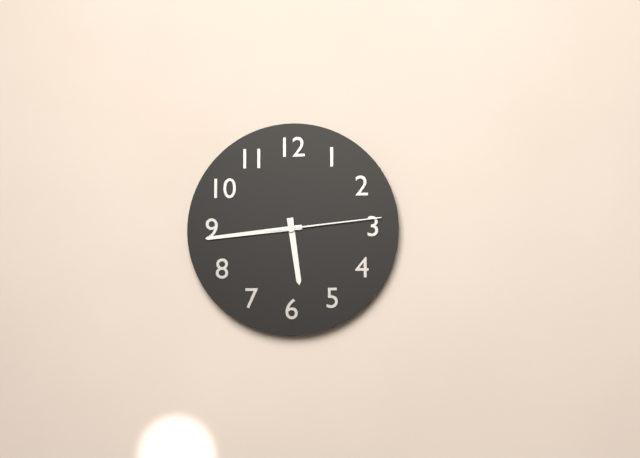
5.44.14
